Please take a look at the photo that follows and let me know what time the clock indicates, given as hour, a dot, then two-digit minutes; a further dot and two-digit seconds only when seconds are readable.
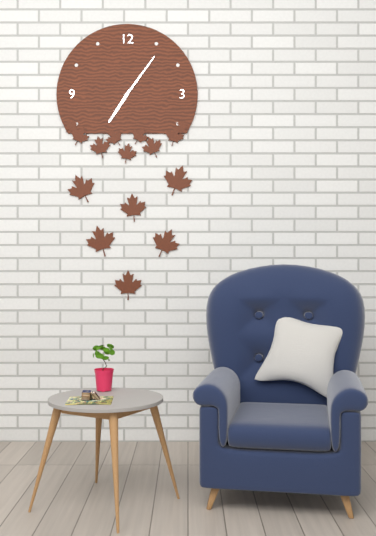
7.06
